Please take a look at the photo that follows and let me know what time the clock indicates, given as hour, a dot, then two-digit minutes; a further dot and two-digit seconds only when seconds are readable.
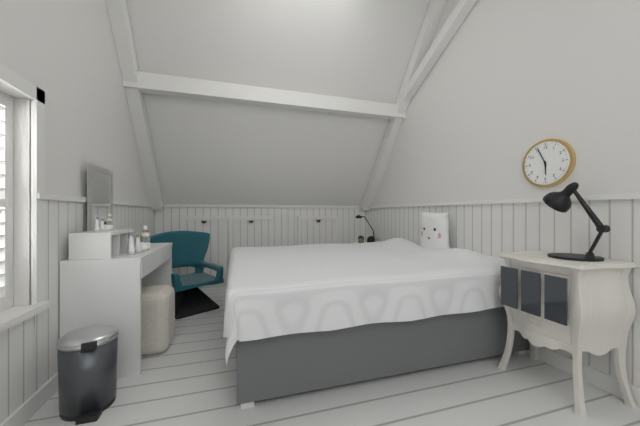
5.56
